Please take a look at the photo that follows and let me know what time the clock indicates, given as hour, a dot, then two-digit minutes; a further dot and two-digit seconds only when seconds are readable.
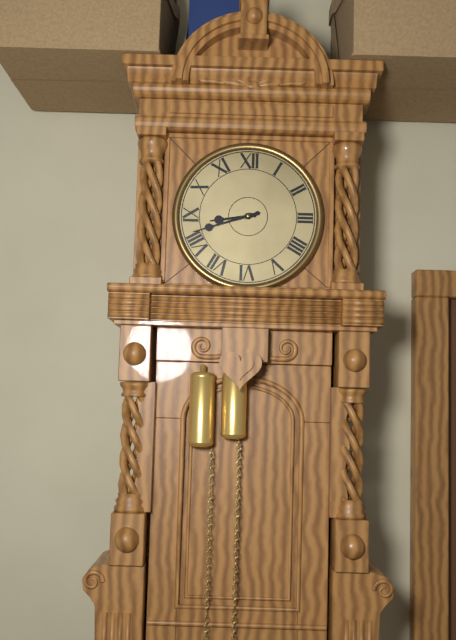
8.42
